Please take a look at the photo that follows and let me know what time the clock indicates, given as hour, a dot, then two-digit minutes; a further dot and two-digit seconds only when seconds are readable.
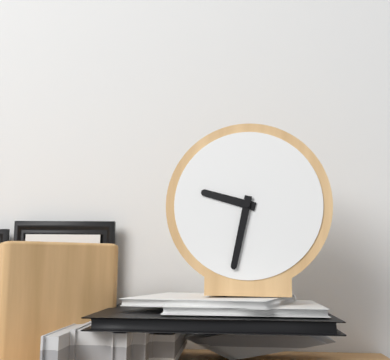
9.32
